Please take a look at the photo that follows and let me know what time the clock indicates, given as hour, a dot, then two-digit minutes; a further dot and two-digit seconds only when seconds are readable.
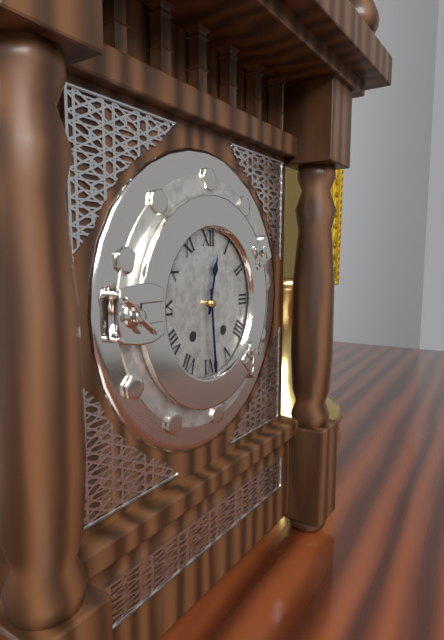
12.29
